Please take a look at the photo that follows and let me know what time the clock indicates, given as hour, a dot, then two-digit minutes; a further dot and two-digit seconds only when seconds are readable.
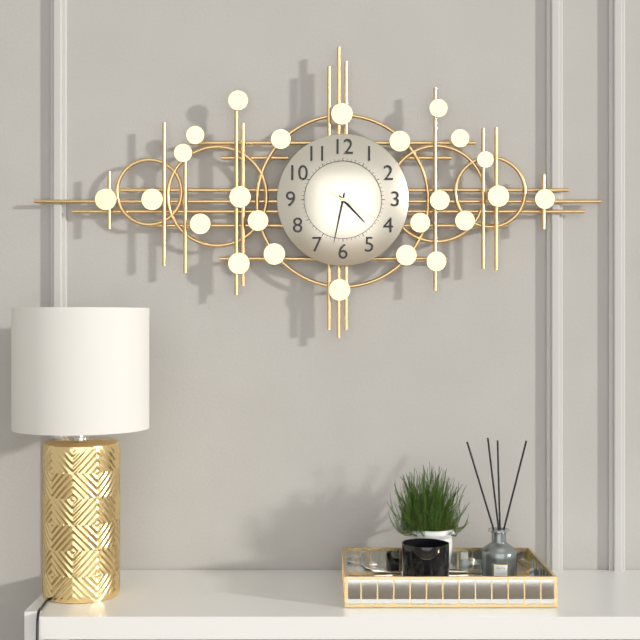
4.32.20
